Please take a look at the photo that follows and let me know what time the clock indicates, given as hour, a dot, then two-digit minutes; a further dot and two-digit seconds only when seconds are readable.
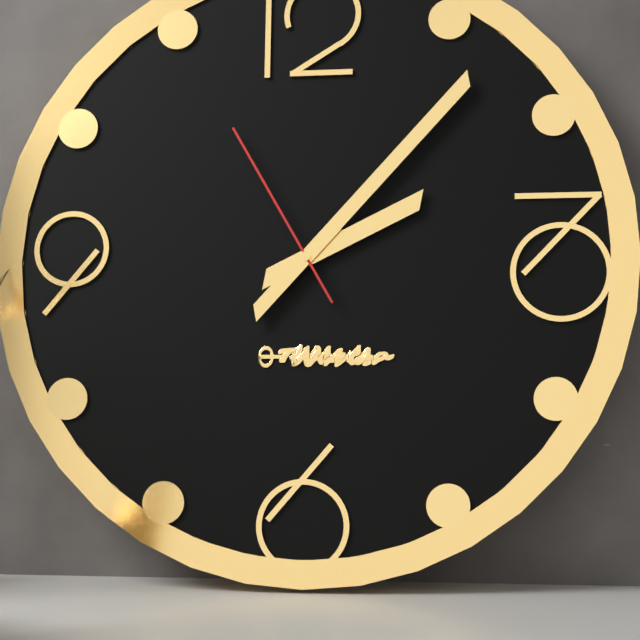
2.07.55
